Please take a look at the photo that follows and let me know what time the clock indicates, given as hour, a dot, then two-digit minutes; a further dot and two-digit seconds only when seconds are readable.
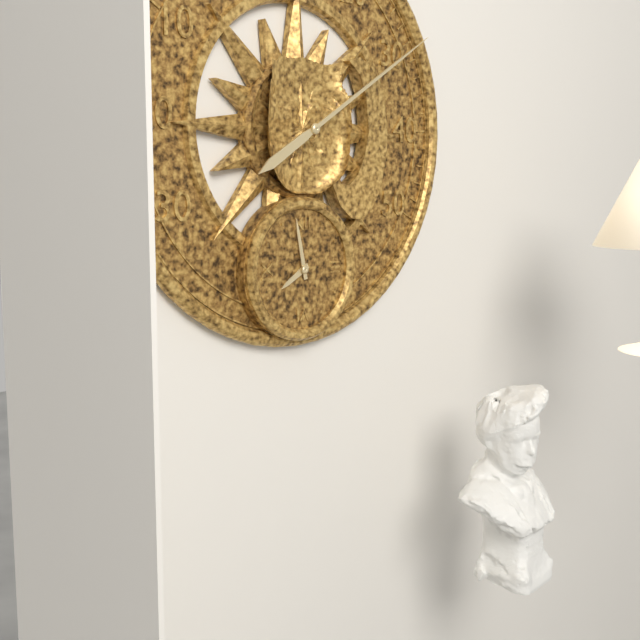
7.58
